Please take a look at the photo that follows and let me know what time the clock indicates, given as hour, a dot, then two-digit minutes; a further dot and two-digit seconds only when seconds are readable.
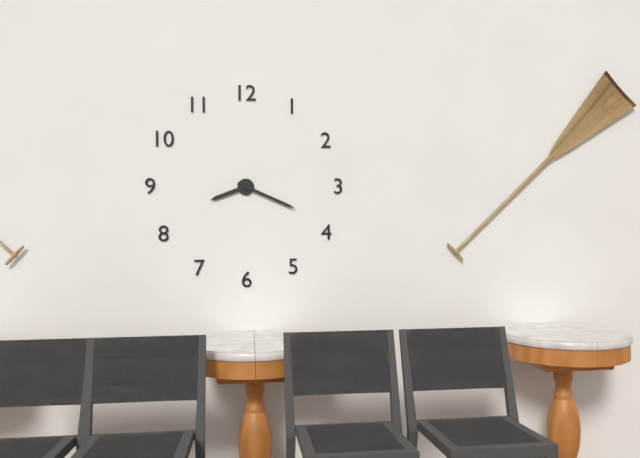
8.19
